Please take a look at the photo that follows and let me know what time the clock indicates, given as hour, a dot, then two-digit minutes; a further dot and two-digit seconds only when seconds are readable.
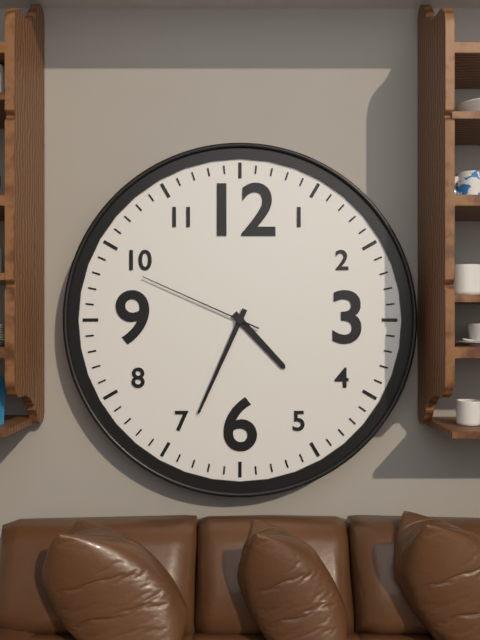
4.34.49
